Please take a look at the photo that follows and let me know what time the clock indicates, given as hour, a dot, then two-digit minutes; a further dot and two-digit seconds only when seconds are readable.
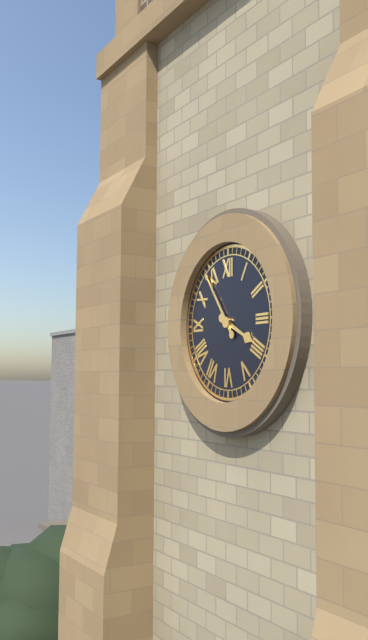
3.54
